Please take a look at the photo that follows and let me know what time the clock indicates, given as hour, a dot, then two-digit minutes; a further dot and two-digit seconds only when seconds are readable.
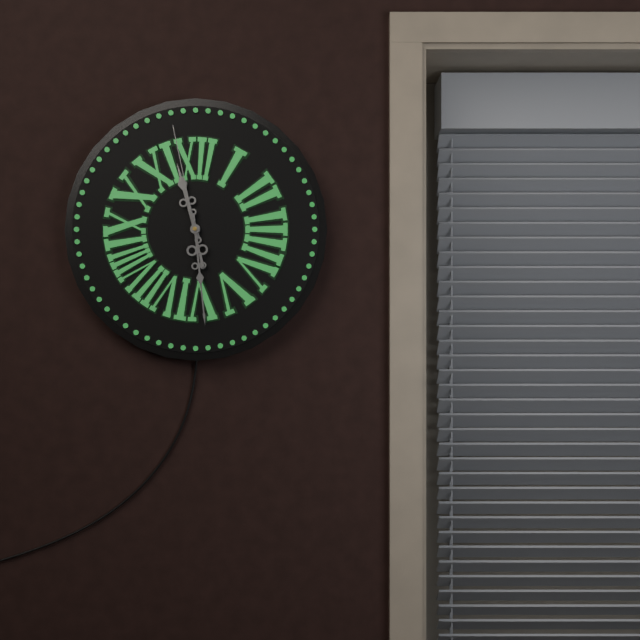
11.29.58
